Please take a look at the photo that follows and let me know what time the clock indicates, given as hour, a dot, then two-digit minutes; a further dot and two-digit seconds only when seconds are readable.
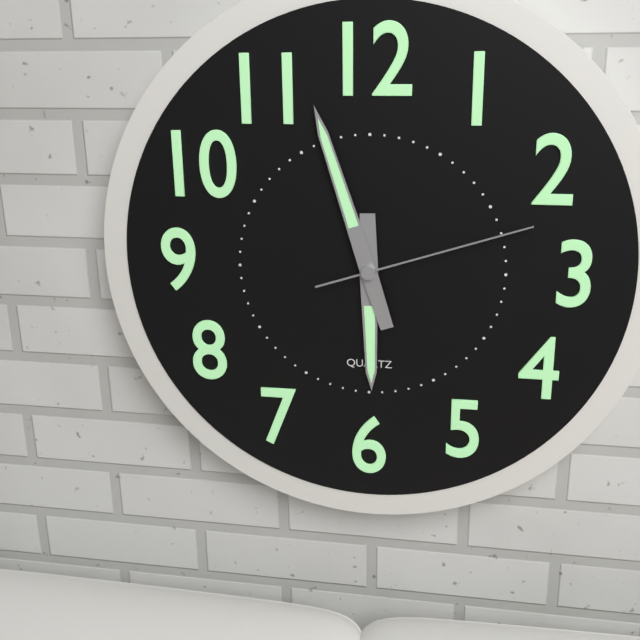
5.57.12
